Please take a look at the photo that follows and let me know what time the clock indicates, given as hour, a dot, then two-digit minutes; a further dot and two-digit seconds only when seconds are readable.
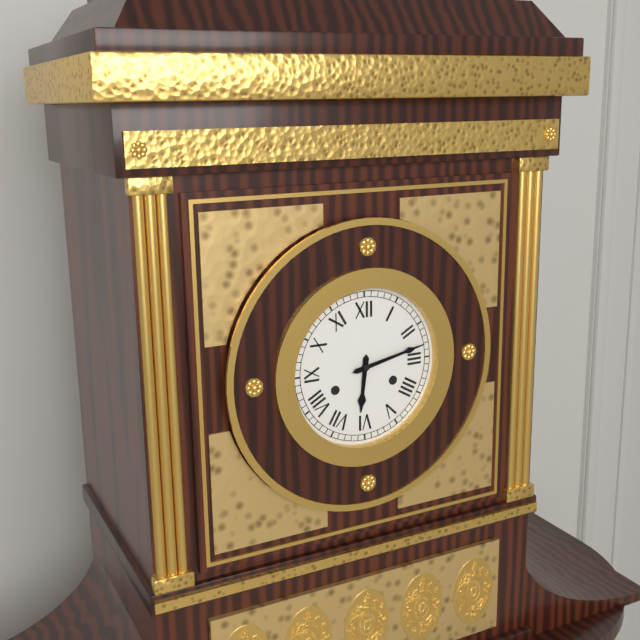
6.13
